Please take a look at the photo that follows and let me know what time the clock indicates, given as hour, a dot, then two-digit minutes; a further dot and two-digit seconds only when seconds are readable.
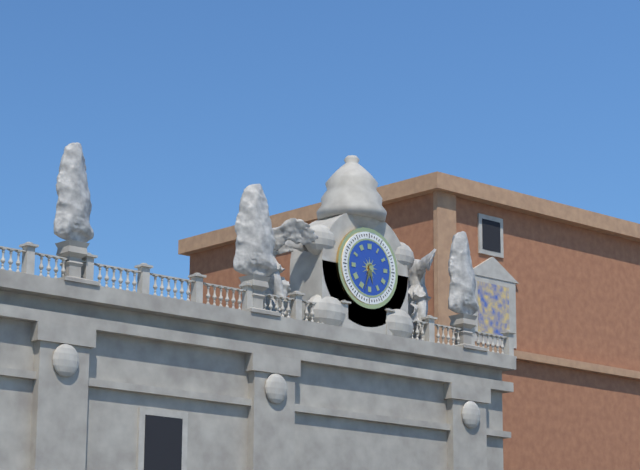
5.33
